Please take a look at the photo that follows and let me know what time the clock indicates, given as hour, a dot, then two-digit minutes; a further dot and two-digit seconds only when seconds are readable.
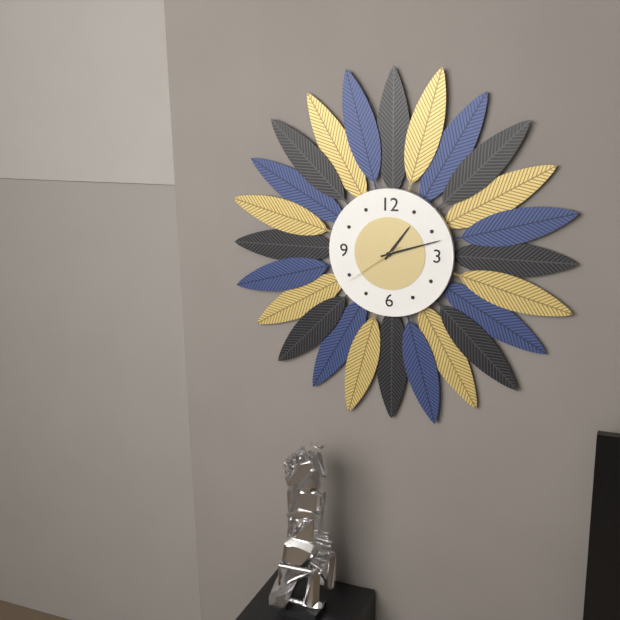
1.12.39
